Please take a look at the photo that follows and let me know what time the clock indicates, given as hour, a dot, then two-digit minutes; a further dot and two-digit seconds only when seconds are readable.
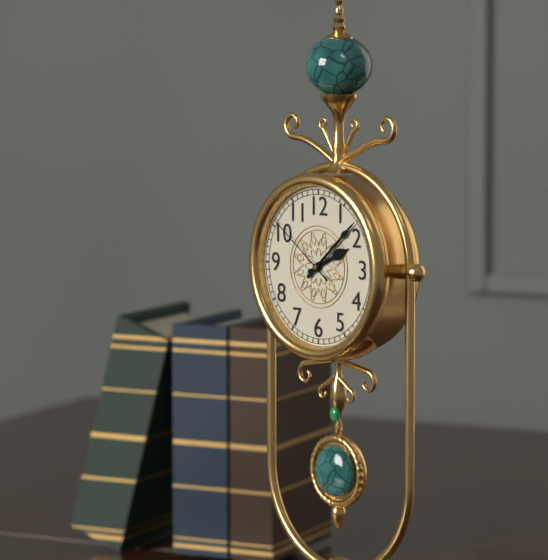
2.08.51
